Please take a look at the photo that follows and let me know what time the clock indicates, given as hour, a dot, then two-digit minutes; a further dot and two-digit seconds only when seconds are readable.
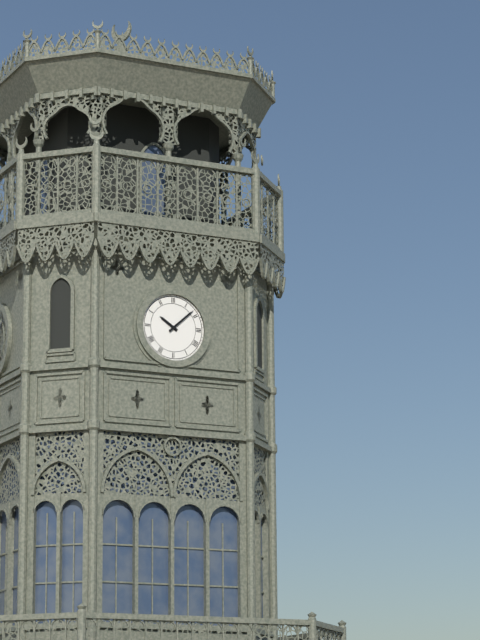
10.08
